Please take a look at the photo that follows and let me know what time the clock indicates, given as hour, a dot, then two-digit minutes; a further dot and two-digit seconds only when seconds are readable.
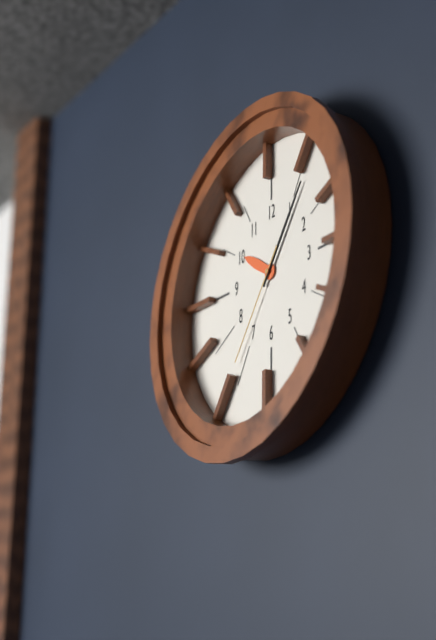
10.06.36
